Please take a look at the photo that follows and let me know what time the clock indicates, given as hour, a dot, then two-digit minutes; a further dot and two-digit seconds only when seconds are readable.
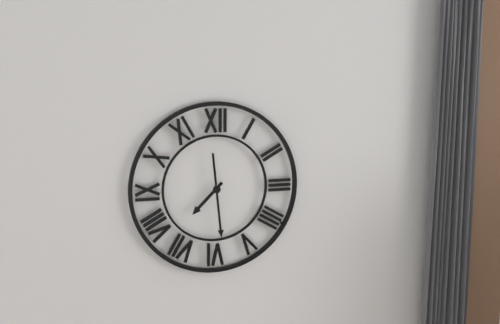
7.29
